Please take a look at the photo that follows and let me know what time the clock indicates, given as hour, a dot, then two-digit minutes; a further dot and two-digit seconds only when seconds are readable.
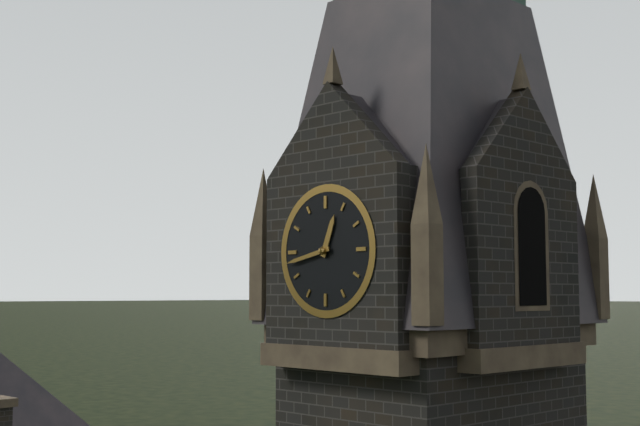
12.43
